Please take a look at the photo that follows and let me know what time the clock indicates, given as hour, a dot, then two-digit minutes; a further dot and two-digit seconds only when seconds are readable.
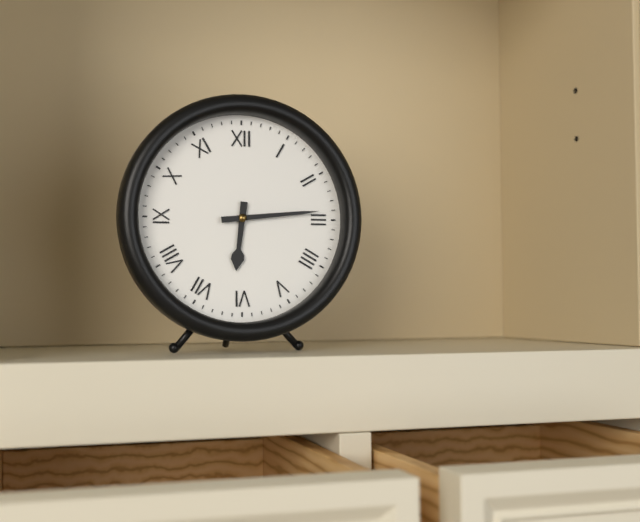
6.14
